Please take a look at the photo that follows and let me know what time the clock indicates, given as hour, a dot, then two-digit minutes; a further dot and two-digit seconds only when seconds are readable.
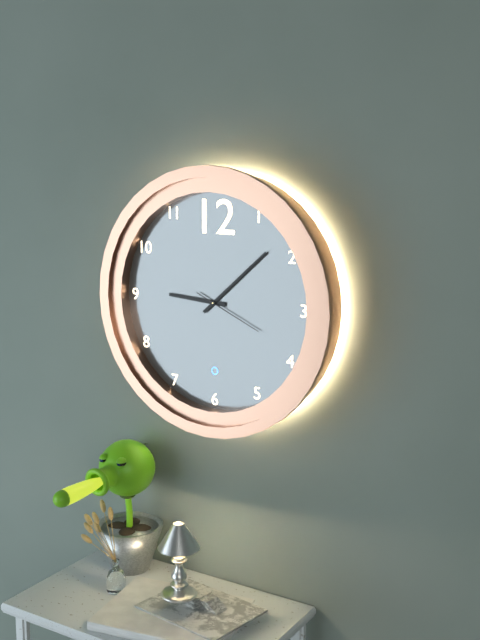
9.08.19
